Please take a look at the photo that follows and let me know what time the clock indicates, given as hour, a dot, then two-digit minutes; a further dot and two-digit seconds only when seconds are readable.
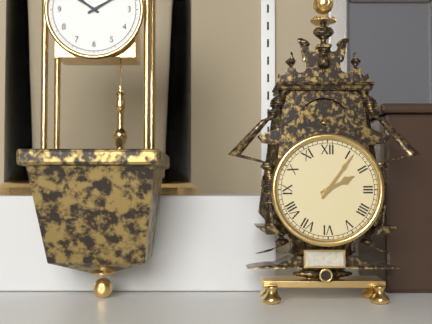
2.06
